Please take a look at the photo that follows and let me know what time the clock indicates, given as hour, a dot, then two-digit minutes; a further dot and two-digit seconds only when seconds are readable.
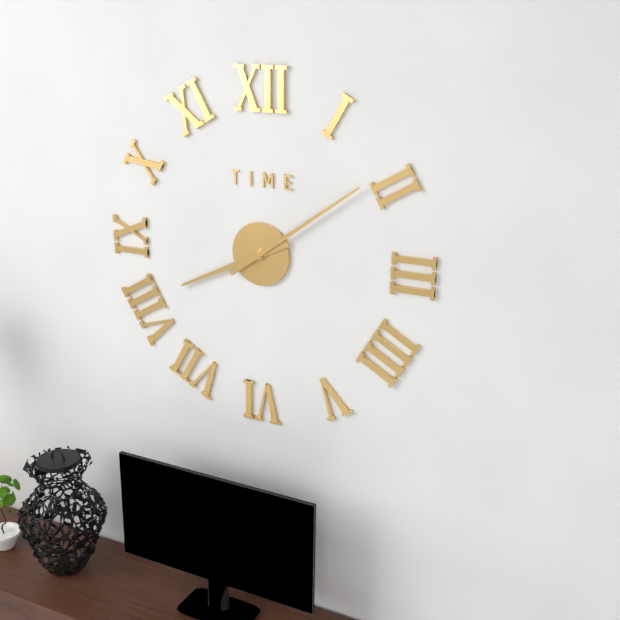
8.09
